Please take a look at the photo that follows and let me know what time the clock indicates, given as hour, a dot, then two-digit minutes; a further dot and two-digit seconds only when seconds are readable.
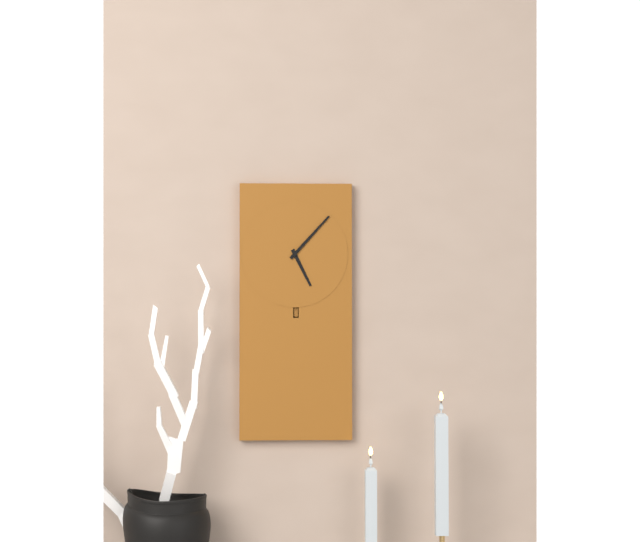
5.07
